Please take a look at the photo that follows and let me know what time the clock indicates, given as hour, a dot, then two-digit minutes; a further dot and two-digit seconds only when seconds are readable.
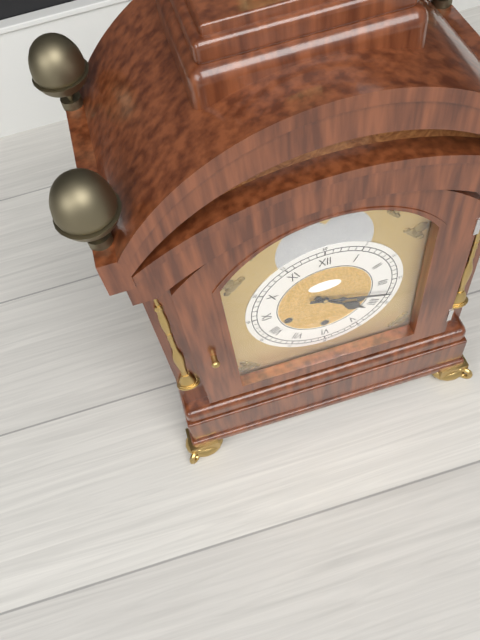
4.18
